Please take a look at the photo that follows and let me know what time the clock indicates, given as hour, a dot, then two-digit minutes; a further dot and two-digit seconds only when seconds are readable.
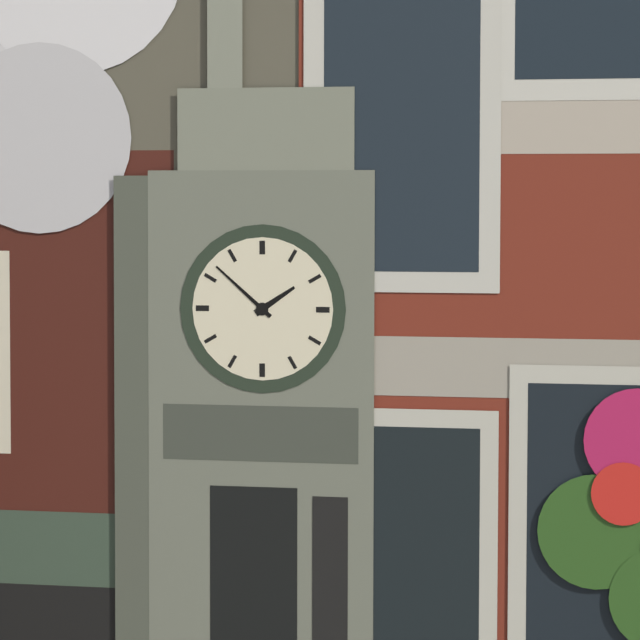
1.52
